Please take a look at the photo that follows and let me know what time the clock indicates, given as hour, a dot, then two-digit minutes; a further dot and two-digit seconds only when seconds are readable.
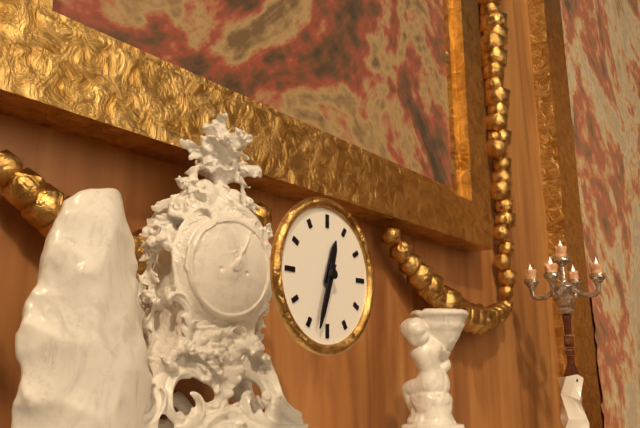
12.33
